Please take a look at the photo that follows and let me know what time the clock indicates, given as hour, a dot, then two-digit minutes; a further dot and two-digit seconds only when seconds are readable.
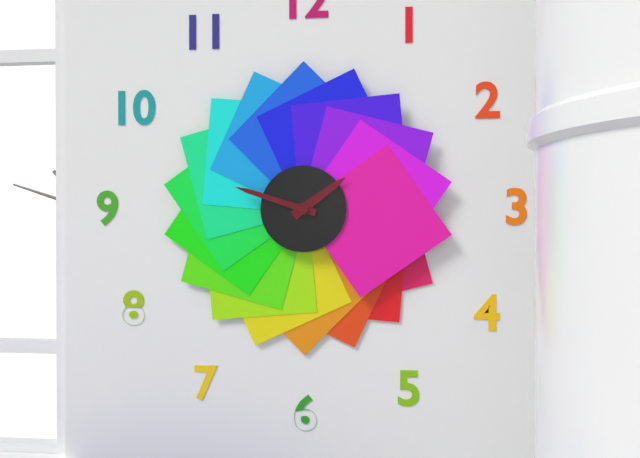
1.48
